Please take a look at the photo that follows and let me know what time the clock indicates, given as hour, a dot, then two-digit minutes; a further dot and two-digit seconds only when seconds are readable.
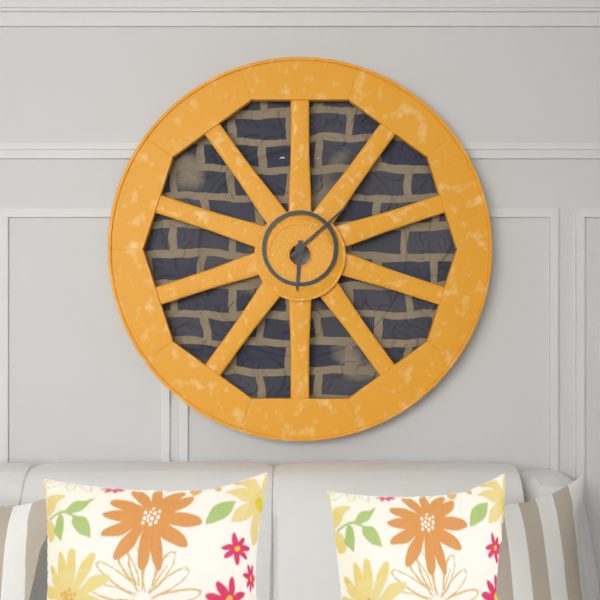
6.08
